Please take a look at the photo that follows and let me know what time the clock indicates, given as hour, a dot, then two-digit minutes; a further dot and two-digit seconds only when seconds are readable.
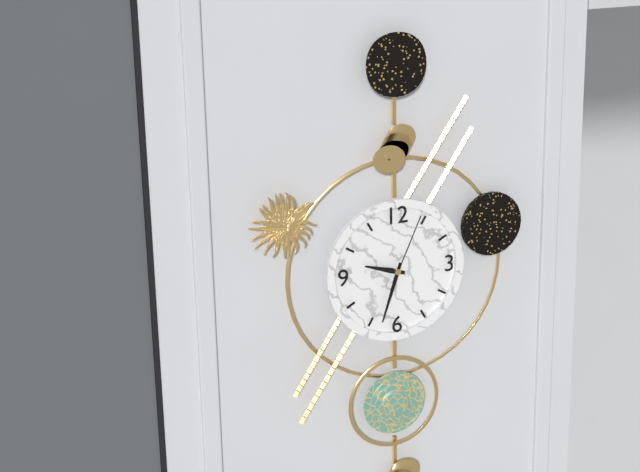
9.33.04
